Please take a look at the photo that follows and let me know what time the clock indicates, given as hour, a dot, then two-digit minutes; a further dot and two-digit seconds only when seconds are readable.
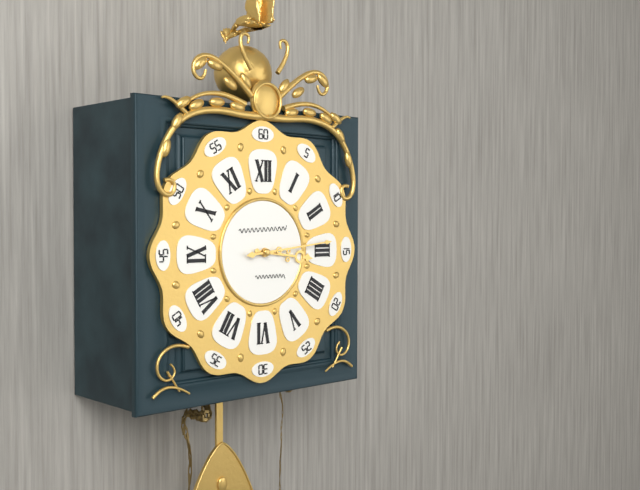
3.14
